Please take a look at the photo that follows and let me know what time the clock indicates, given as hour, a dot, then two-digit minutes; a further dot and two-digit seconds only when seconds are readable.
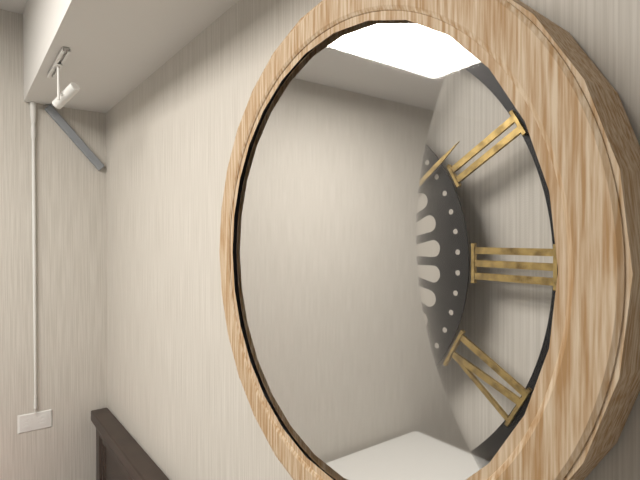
9.09
